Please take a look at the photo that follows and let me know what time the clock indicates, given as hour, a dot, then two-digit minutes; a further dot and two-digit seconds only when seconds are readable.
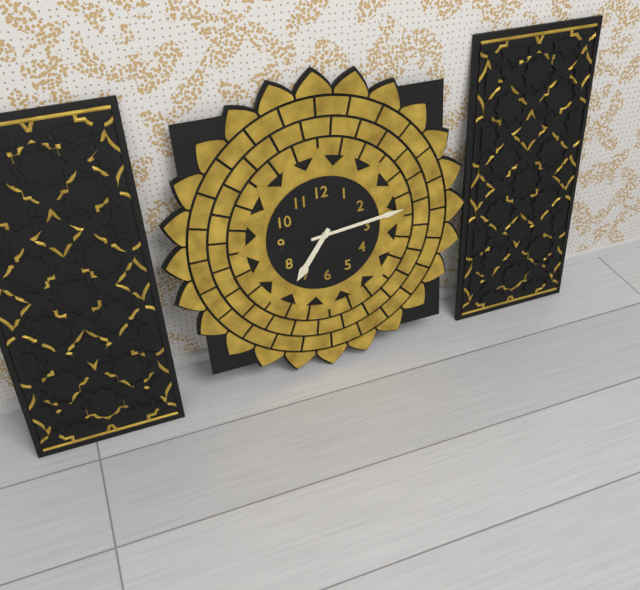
7.14
